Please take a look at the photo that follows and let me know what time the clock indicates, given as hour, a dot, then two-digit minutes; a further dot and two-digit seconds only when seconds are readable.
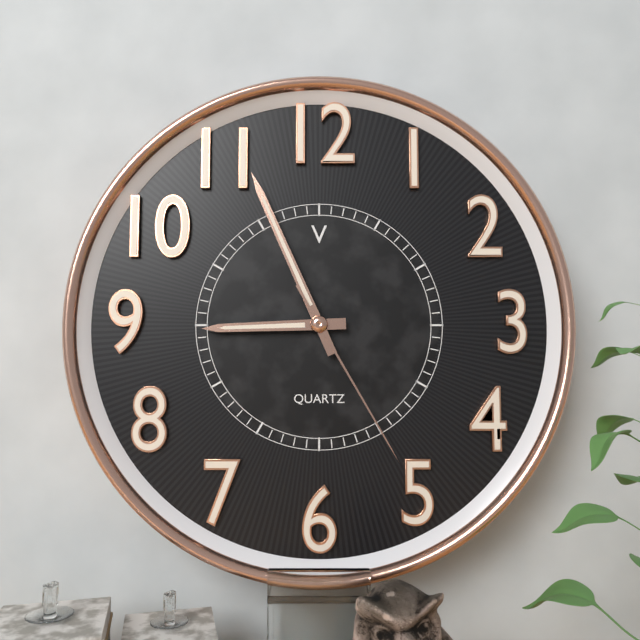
8.56.25
